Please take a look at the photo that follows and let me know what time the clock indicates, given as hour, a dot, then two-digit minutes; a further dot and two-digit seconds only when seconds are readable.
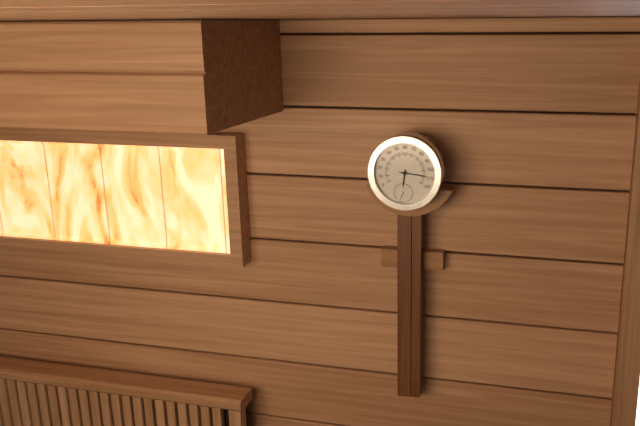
6.16
